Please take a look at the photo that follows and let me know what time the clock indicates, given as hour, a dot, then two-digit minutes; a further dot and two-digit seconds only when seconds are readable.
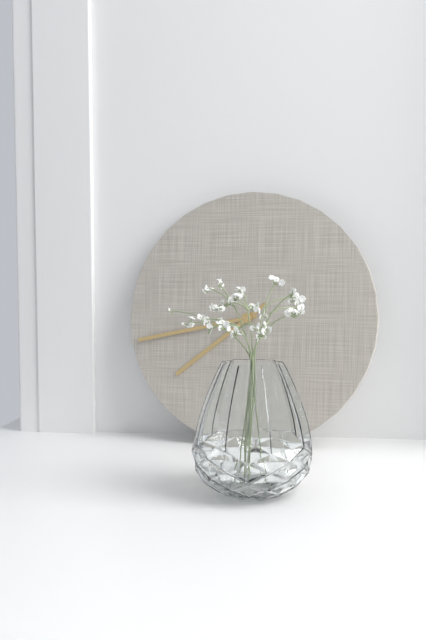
7.43
